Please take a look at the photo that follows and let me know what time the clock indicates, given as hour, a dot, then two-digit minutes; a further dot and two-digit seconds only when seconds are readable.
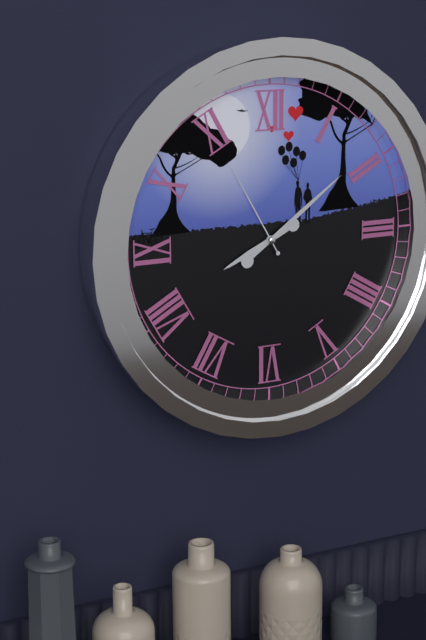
8.09.55
